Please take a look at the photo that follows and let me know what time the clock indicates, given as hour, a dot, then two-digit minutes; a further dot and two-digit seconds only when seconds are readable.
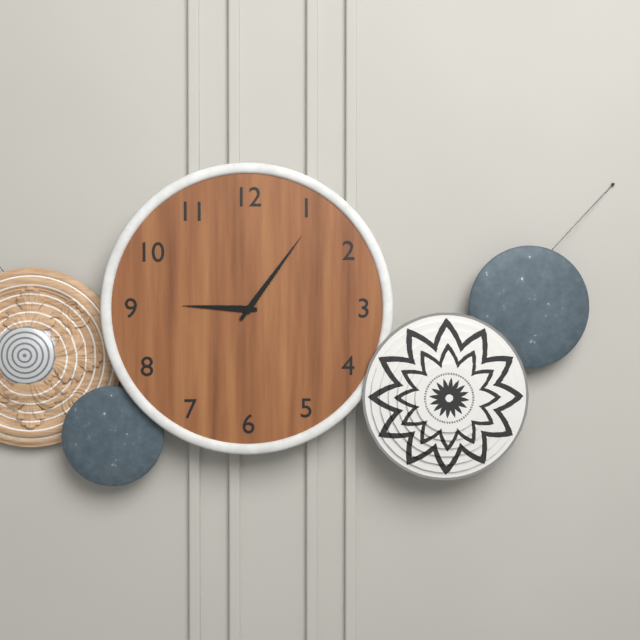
9.06
